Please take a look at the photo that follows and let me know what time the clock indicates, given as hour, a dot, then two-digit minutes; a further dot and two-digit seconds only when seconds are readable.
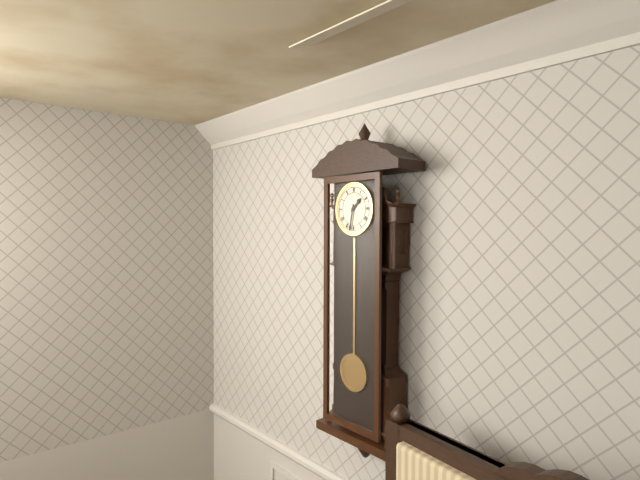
1.32
